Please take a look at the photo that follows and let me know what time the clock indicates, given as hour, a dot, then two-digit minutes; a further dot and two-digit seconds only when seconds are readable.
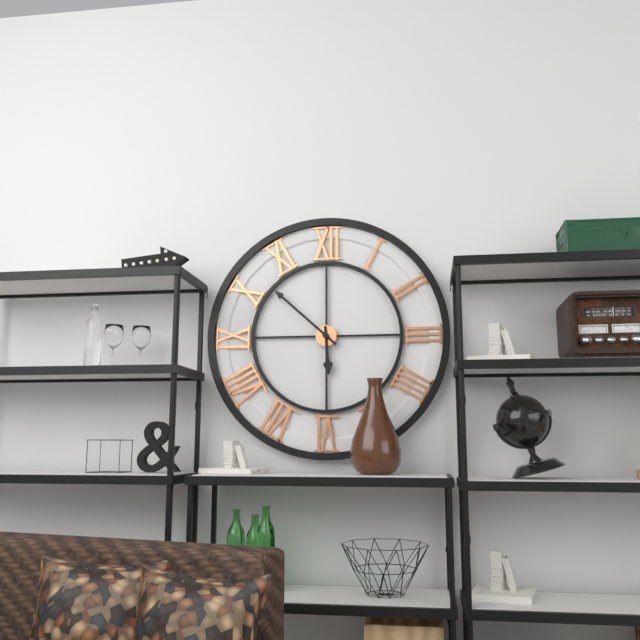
5.52
